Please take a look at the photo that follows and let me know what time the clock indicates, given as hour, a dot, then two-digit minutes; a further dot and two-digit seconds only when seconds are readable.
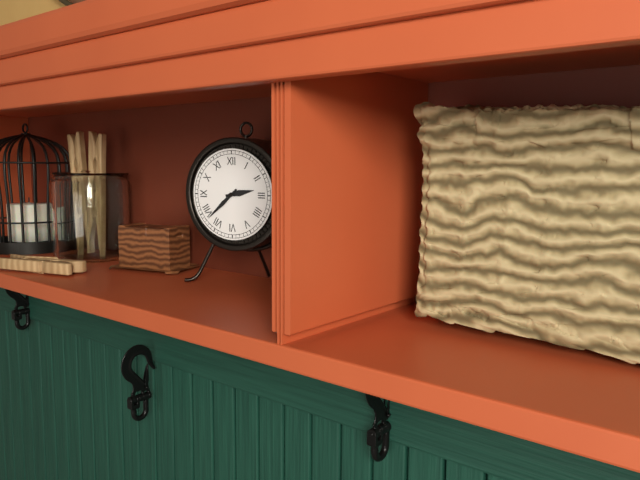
2.38
